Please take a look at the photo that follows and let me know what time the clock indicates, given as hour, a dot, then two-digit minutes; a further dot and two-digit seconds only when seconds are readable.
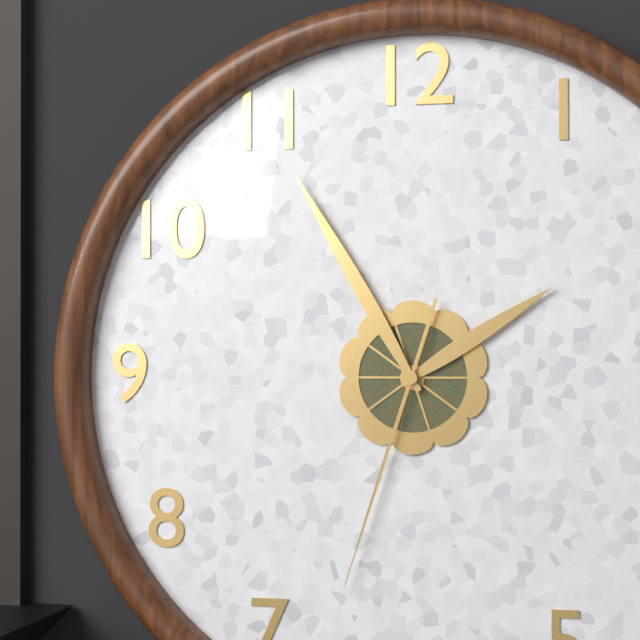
1.55.33
